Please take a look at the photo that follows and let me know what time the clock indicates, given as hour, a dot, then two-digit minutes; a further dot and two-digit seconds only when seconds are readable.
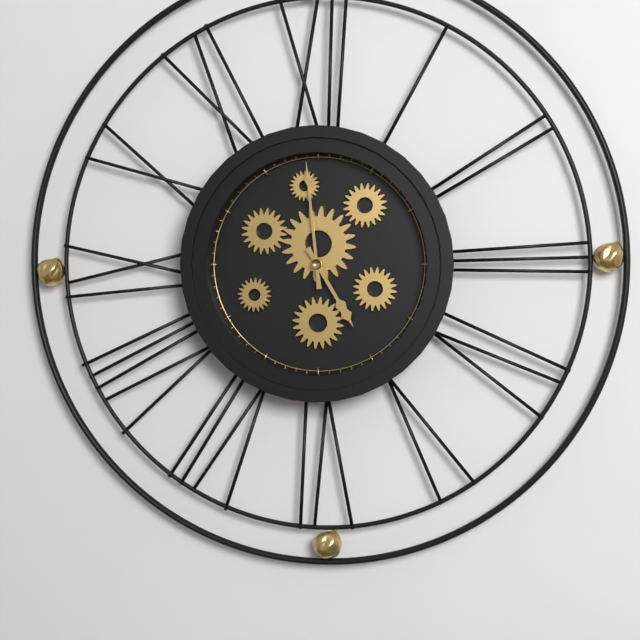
4.59
